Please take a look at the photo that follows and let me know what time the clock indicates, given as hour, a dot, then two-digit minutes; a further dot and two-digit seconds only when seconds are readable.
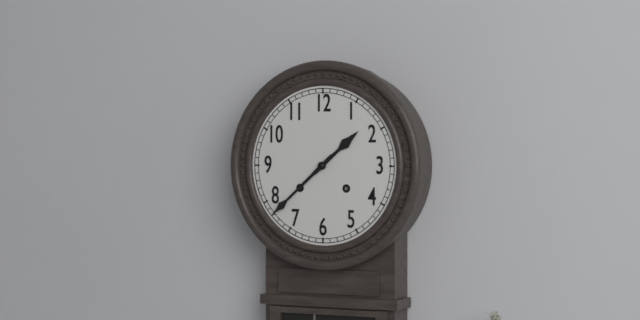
1.38
